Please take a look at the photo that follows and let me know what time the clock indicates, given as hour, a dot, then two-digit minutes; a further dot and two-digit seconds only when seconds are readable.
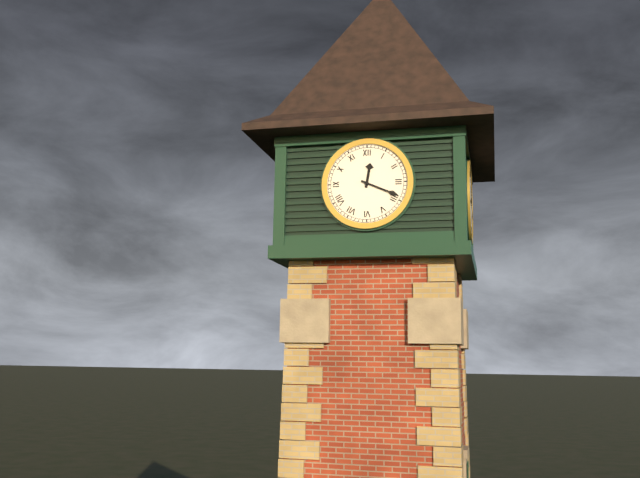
12.19
